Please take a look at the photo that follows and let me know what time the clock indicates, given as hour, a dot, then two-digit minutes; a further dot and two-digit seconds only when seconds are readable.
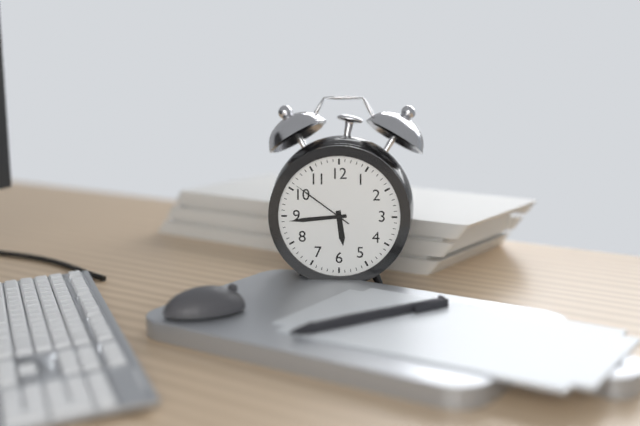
5.44.51
